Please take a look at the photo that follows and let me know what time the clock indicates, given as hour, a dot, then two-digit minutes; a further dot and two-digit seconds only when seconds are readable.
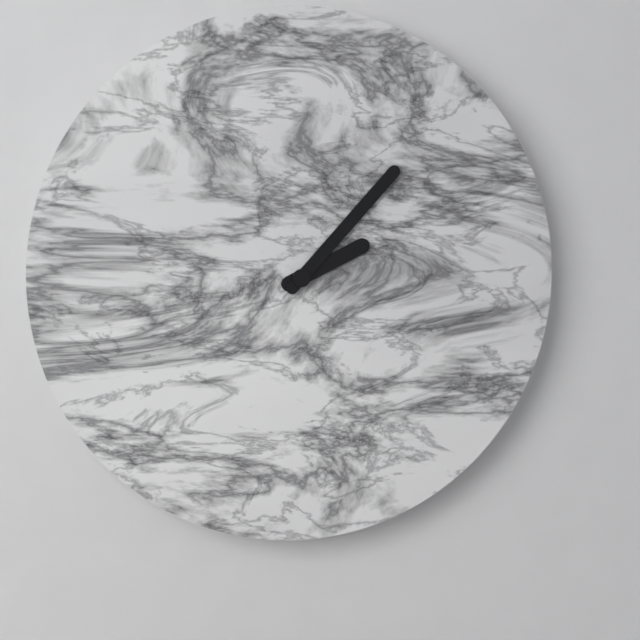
2.07
